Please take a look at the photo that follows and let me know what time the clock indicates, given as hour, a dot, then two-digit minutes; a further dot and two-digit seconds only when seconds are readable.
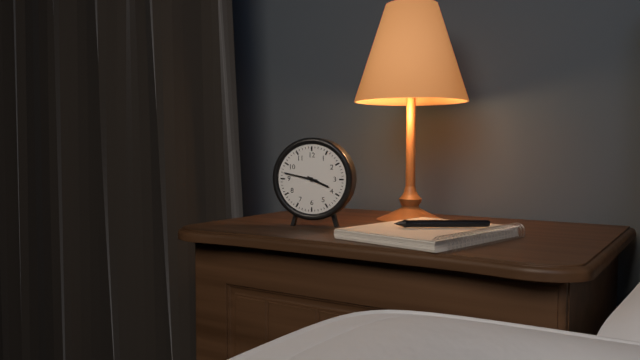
3.47
